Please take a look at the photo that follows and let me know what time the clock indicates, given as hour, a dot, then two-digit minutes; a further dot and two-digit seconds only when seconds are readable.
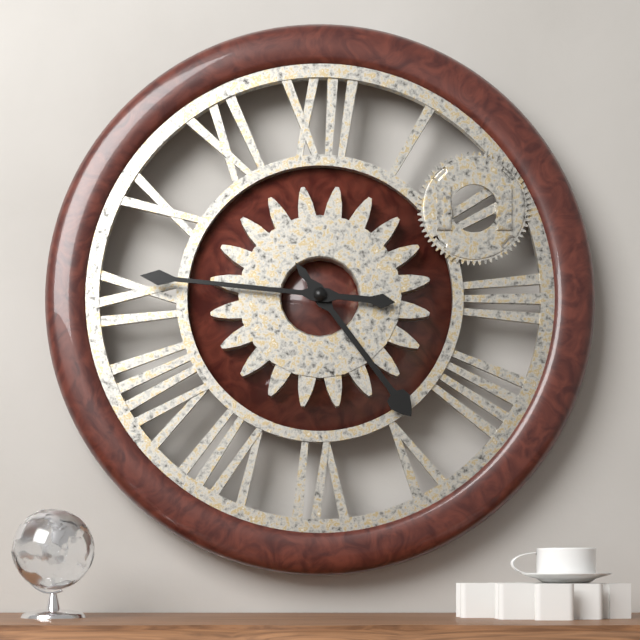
4.46
